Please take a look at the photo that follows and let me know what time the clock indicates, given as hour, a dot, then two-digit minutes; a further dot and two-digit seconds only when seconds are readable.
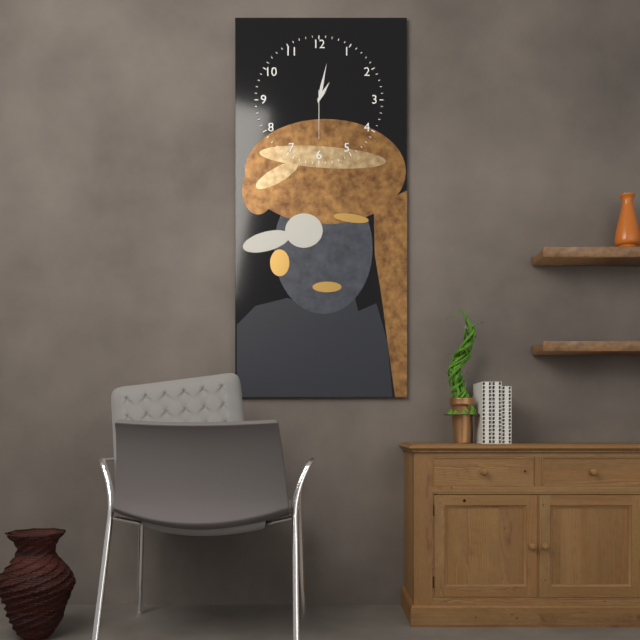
1.02
